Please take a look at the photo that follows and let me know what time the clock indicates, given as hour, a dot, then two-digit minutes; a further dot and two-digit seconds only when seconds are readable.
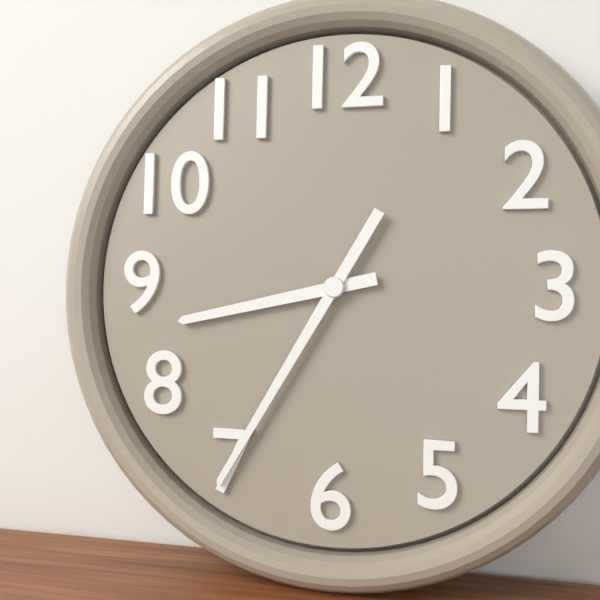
8.35
